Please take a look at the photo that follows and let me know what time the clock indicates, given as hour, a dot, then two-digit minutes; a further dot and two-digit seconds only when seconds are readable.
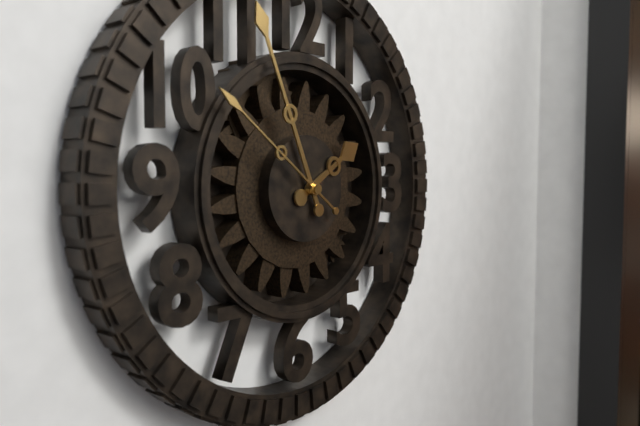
1.56.51
